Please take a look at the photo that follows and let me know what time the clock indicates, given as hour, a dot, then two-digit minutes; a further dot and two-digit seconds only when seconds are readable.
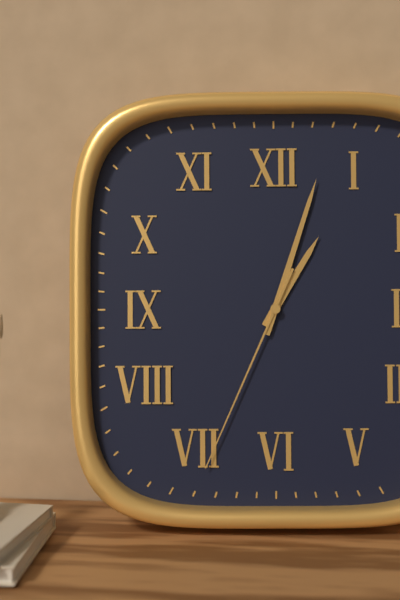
1.03.34
